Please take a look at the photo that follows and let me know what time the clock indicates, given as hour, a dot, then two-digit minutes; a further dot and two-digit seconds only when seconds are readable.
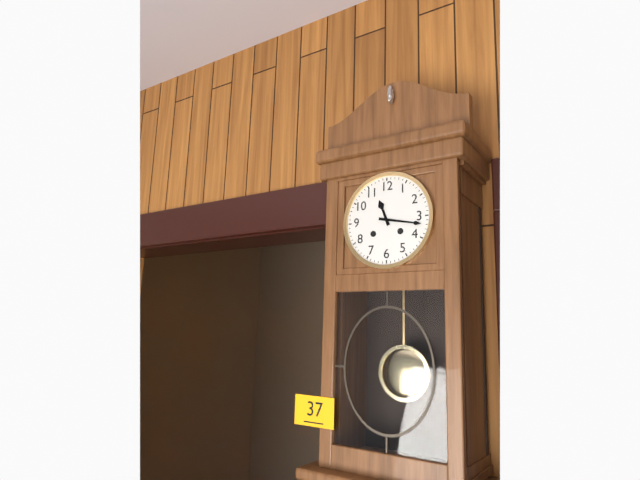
11.17
